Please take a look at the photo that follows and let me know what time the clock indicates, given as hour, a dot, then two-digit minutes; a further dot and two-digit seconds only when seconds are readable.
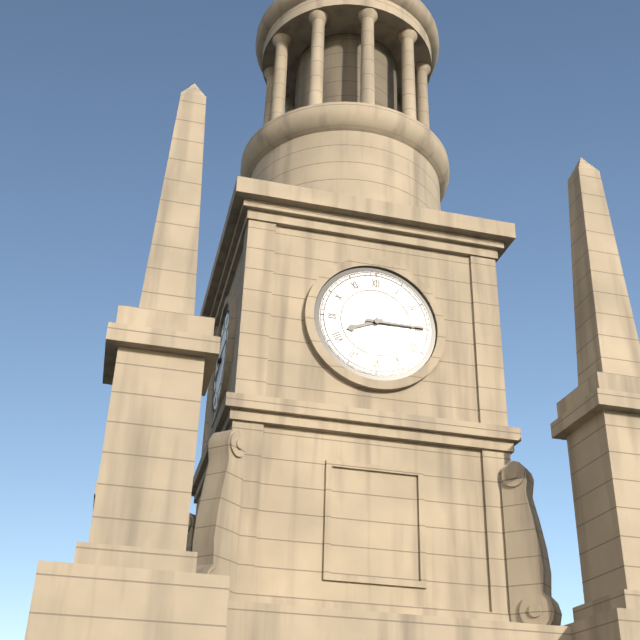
8.15
